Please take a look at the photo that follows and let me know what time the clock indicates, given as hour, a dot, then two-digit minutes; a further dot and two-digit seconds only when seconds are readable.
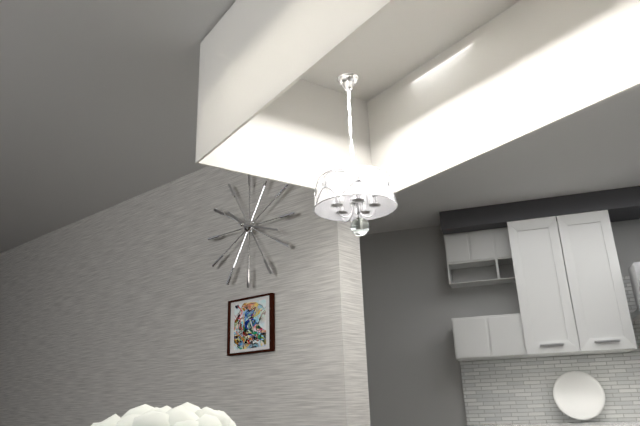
10.18
